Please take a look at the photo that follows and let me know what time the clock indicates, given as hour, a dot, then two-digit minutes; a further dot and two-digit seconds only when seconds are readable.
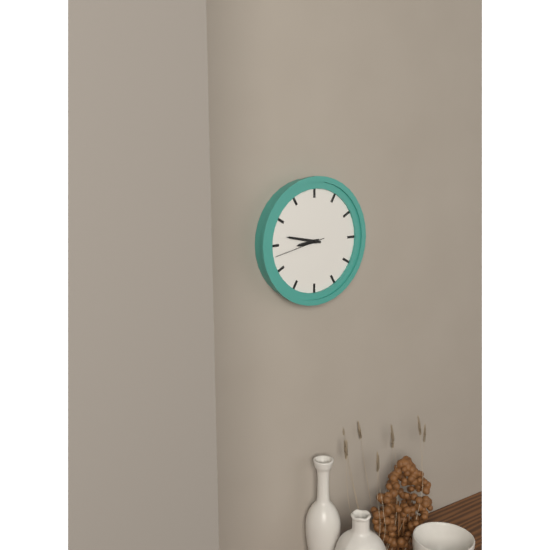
8.47.43
